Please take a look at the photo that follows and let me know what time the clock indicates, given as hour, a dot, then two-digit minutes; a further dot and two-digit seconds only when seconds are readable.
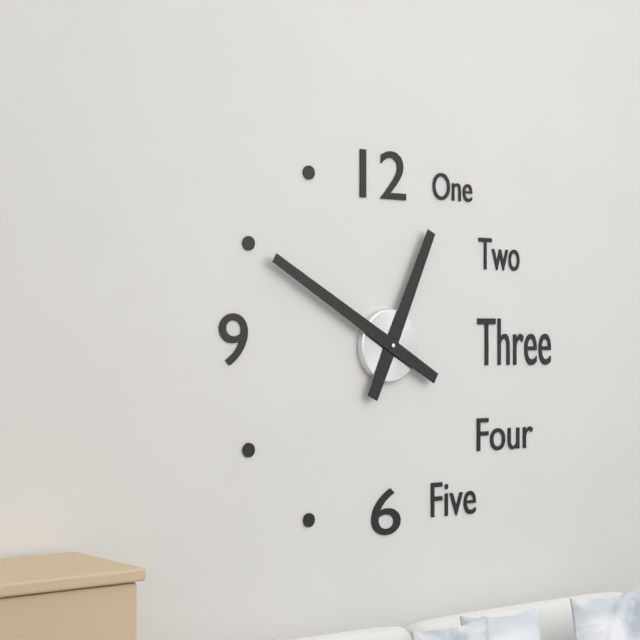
12.50
